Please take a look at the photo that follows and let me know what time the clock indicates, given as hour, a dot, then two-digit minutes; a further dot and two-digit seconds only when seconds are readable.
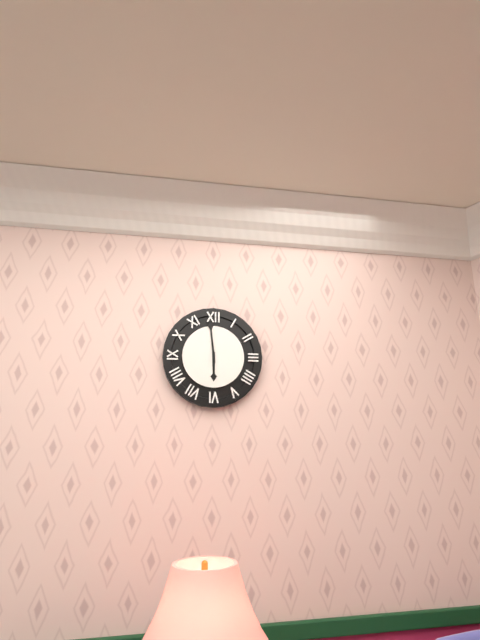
5.59
